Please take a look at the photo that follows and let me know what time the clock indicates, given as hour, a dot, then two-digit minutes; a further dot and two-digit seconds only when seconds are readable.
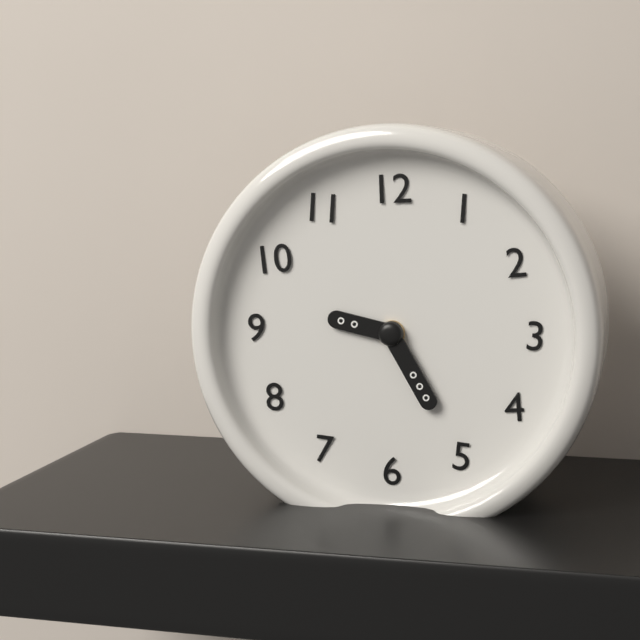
9.25
